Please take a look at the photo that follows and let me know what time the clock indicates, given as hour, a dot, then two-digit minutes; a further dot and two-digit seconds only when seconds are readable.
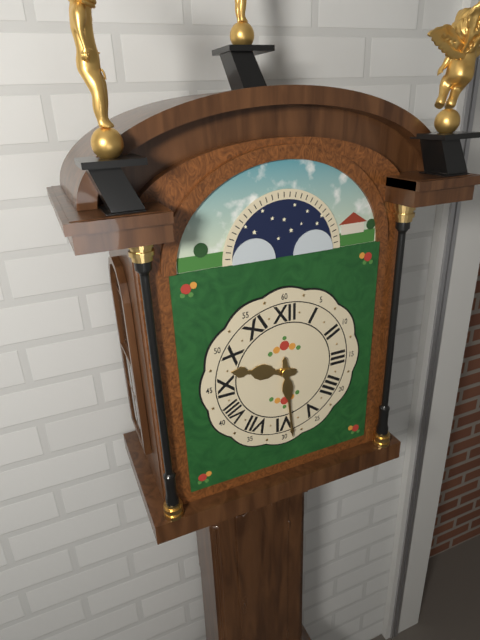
9.29
